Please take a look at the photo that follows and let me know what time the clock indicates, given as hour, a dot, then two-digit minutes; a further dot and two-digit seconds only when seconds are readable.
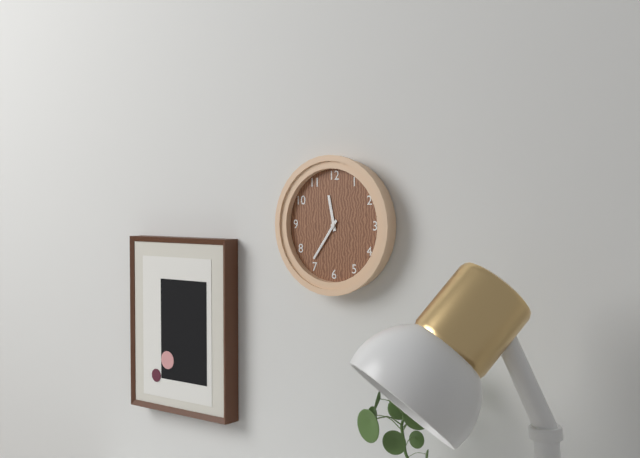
11.36
